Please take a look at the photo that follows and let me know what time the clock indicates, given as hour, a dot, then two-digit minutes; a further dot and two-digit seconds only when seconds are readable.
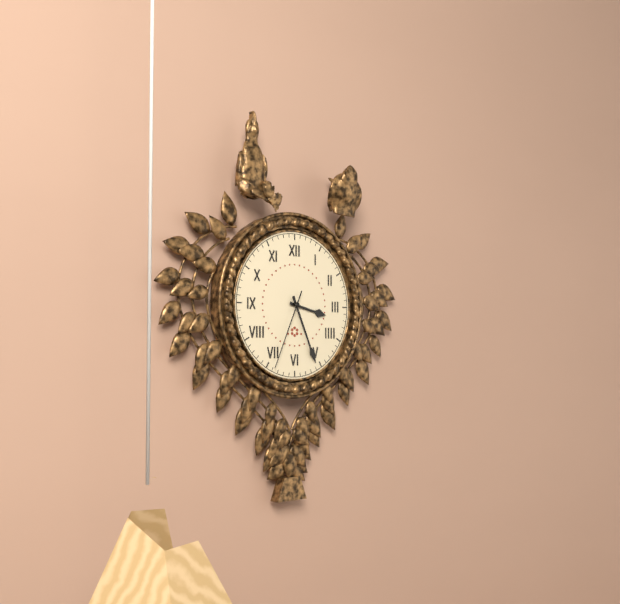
3.26.34
